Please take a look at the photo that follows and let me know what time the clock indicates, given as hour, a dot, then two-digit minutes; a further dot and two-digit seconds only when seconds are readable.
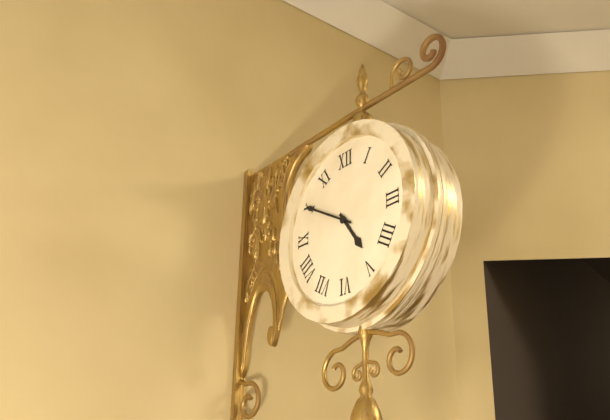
4.50
